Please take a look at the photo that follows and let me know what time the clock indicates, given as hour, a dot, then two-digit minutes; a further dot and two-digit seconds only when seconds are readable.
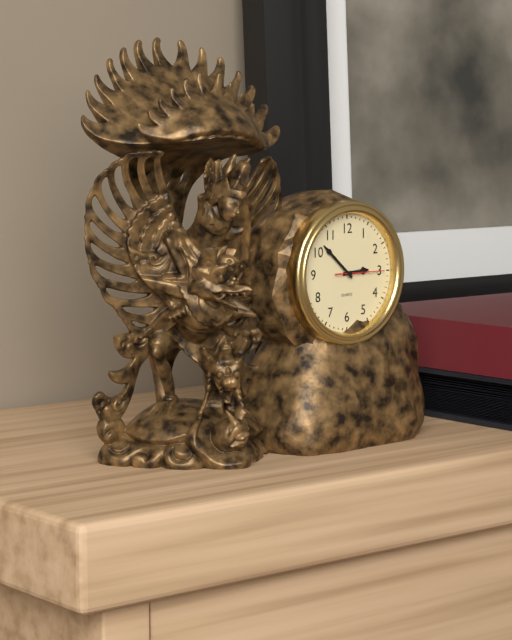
2.52
